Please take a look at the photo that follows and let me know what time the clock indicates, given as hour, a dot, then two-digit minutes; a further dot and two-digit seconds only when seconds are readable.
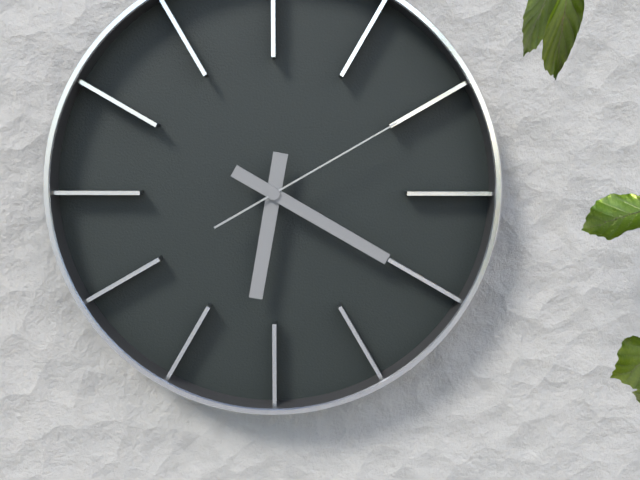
6.20.10
